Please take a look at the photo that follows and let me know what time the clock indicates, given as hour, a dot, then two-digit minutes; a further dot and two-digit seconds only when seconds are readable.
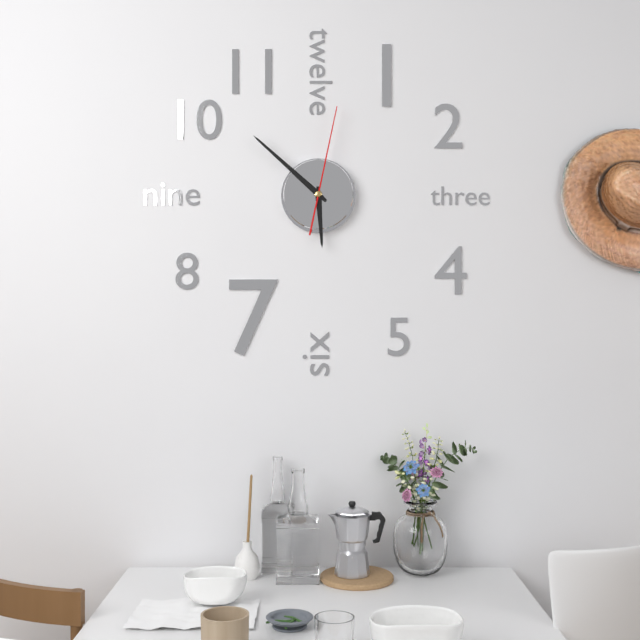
5.52.02
